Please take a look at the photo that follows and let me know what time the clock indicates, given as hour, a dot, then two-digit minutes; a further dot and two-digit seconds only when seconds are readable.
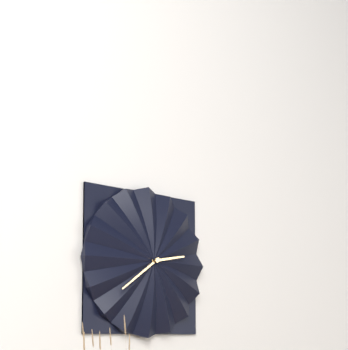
2.39
